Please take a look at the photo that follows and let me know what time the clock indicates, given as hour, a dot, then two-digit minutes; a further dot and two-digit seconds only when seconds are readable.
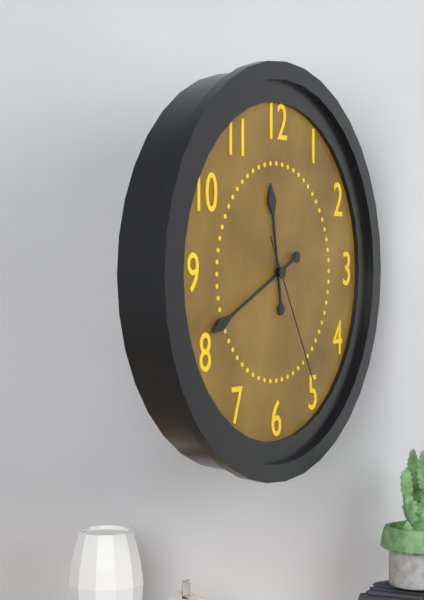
11.41.25
